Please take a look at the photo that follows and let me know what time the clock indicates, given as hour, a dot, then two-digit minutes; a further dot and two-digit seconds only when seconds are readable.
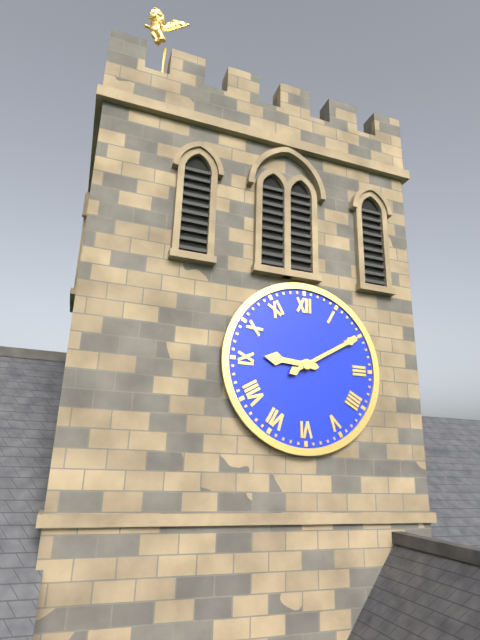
9.10
